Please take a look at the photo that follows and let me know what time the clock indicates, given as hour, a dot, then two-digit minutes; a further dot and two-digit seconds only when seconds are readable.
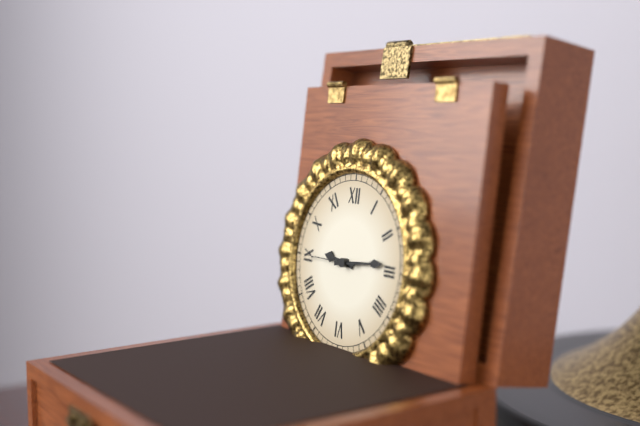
9.14.45
